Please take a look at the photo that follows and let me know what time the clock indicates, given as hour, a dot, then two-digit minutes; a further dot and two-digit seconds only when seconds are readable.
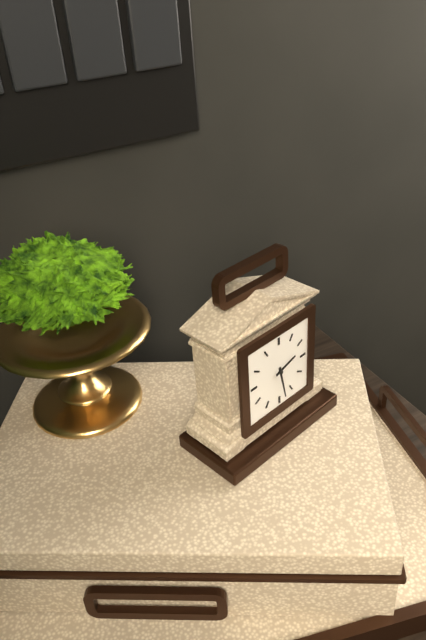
2.28
